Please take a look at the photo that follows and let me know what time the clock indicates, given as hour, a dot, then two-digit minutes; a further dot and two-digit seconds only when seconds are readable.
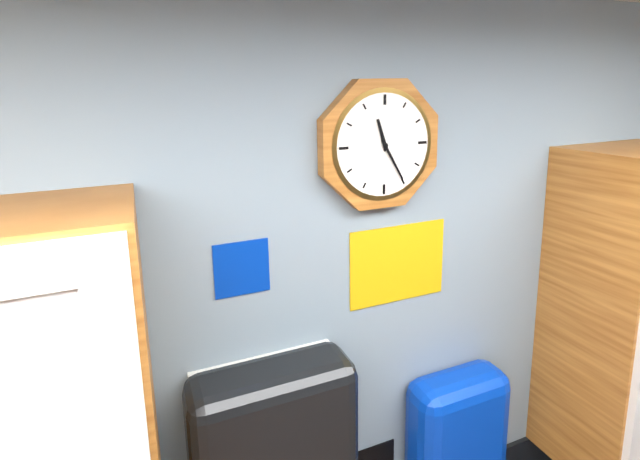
11.25
